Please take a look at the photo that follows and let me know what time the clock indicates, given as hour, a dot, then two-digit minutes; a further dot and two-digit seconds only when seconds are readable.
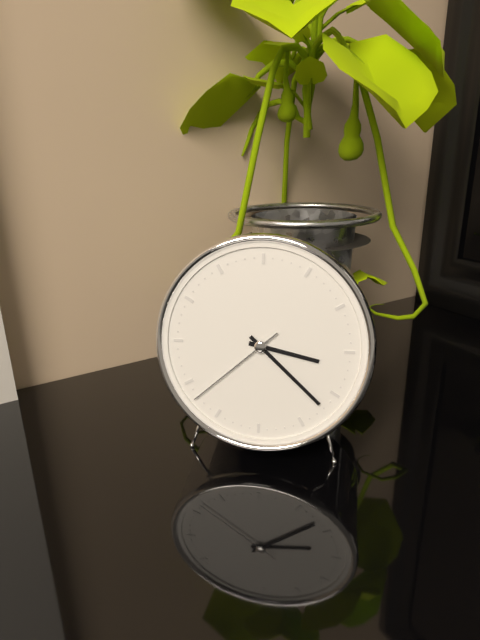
3.22.38
